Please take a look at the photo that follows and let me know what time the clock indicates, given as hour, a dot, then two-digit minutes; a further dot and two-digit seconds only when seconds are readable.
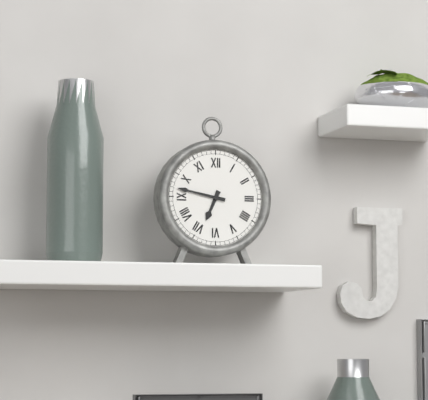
6.47
